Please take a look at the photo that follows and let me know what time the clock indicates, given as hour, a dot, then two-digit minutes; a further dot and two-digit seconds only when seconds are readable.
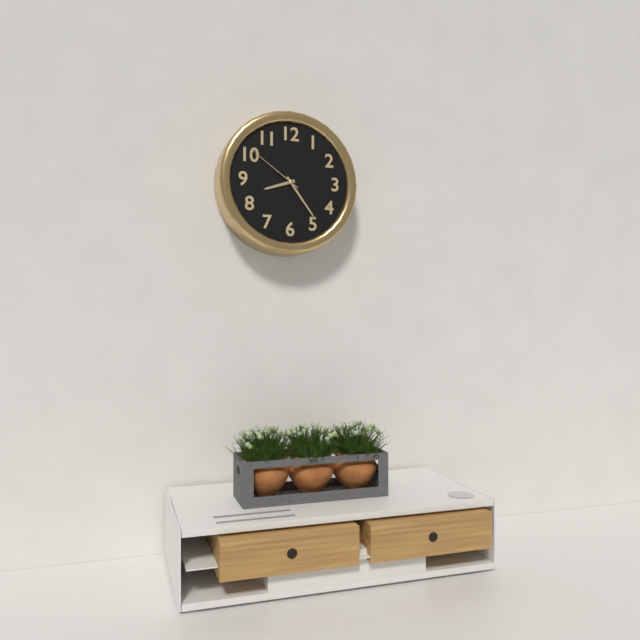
8.24.51
